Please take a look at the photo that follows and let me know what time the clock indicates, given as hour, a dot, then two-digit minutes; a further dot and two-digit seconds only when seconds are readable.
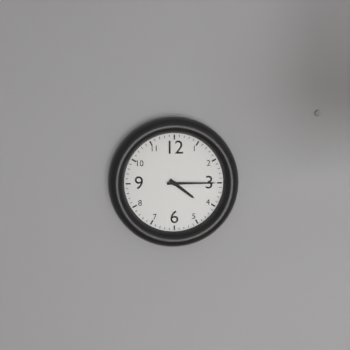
4.15
